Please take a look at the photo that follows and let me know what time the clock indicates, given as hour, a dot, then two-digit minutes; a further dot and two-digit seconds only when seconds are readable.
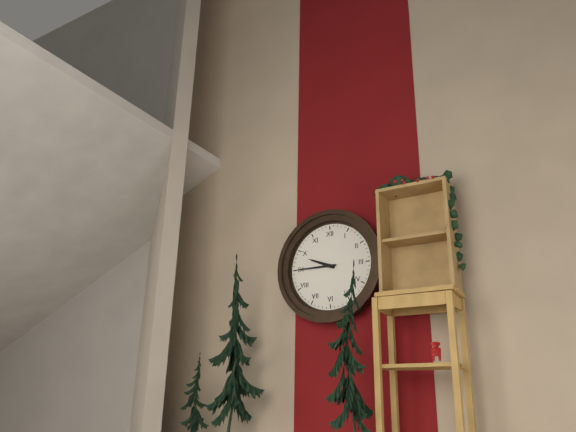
9.45
